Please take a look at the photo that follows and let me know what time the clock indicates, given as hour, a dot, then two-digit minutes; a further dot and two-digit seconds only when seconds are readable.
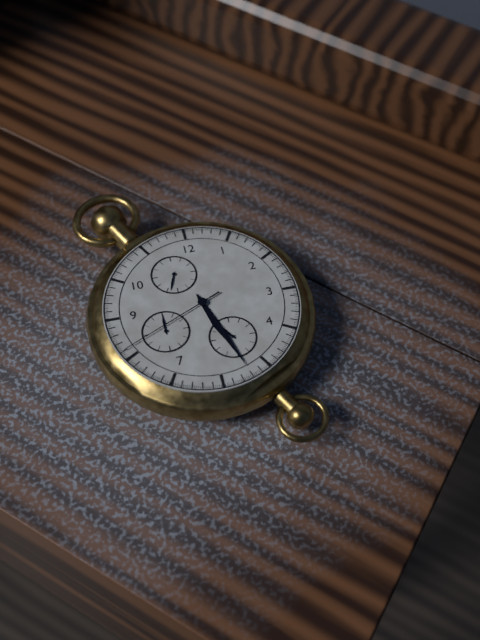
5.27.41
